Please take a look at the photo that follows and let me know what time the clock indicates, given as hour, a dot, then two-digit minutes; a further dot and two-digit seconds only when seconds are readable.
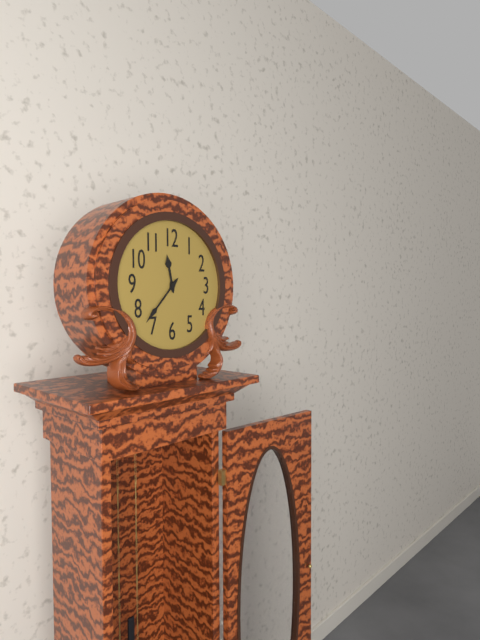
11.37
